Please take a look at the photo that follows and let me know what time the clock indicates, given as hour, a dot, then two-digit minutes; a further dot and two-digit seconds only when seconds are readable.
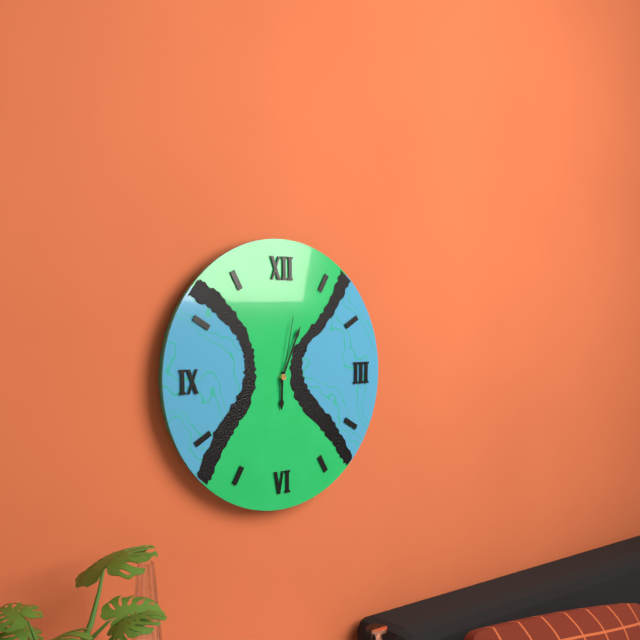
6.04.02
